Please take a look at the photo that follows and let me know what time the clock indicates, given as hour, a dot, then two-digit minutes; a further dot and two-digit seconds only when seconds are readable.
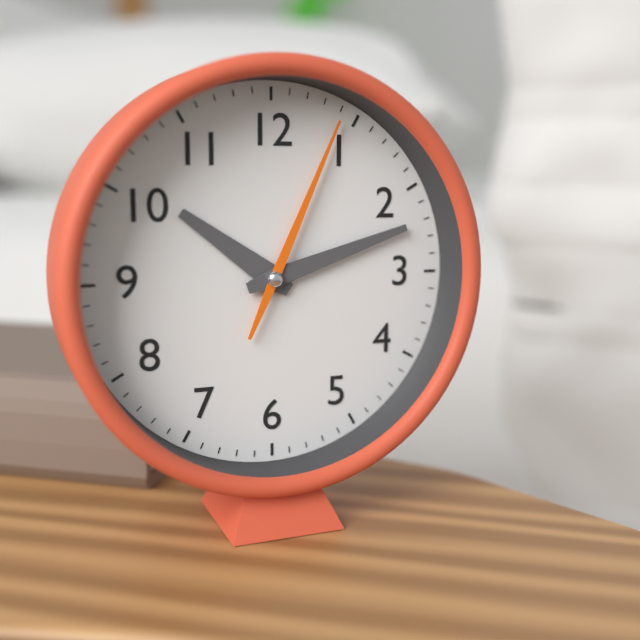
10.12.04
